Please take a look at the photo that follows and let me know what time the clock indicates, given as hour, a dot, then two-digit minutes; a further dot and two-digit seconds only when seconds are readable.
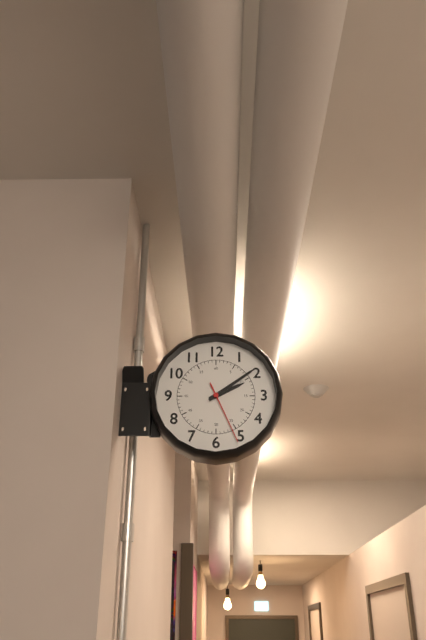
2.09.26
